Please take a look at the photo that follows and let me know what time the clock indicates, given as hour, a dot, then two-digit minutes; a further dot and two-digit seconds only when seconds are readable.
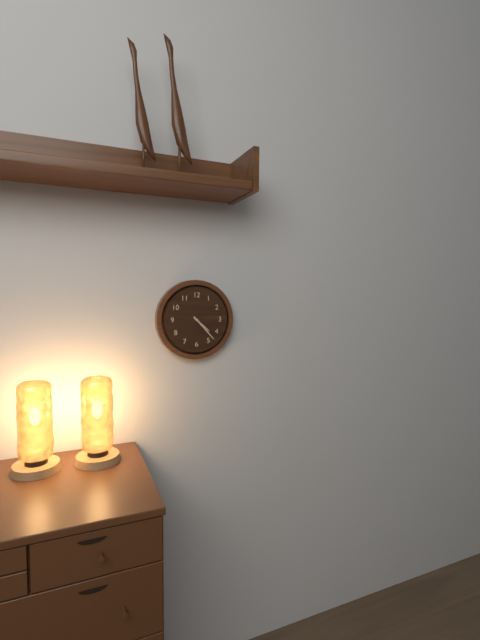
4.23
